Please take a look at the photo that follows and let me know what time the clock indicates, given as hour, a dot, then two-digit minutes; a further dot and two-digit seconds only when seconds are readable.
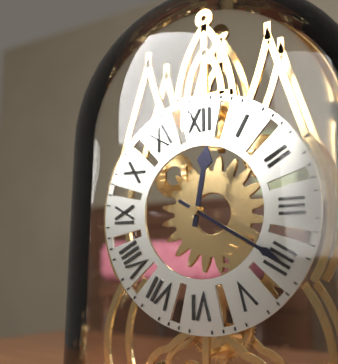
12.20
